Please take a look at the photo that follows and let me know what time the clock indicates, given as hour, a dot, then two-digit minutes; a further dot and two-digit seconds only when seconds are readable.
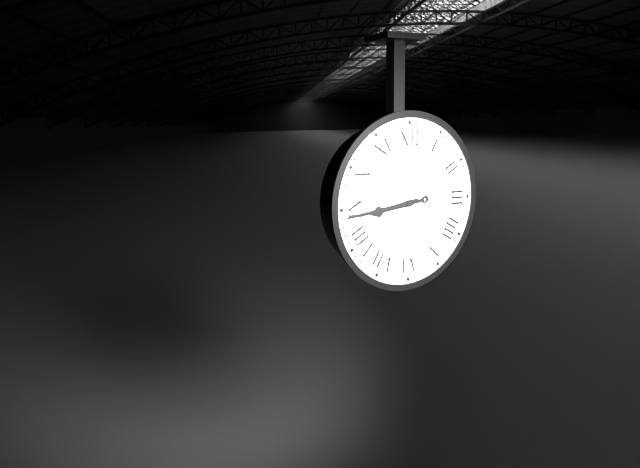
8.44
